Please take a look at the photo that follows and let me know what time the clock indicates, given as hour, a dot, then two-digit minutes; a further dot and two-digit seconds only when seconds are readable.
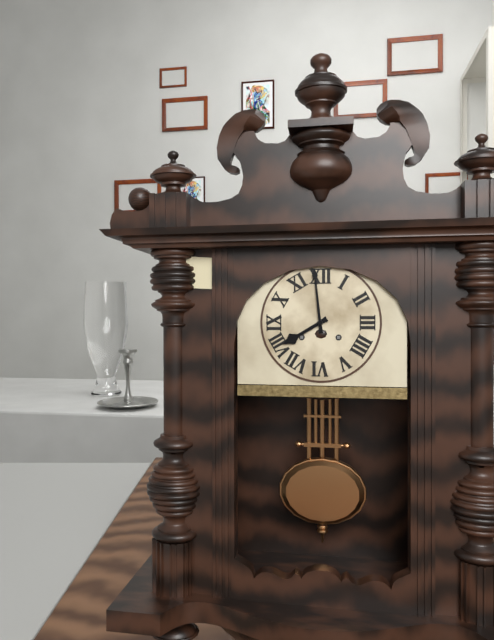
7.59
